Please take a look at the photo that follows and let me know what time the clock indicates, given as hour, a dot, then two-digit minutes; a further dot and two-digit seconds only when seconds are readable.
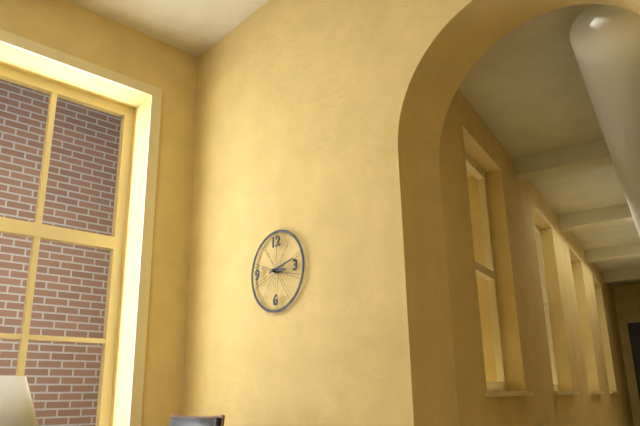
3.13
